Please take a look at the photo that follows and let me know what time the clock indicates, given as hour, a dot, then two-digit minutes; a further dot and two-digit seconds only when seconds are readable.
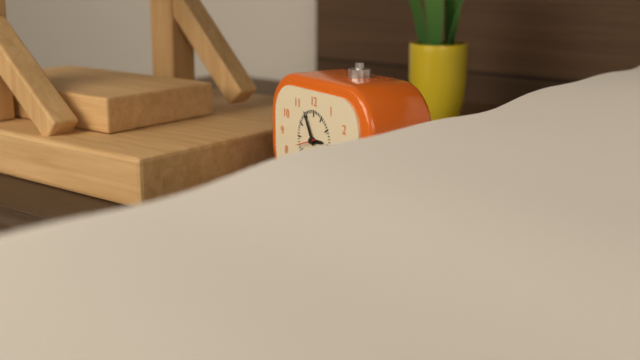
2.55
